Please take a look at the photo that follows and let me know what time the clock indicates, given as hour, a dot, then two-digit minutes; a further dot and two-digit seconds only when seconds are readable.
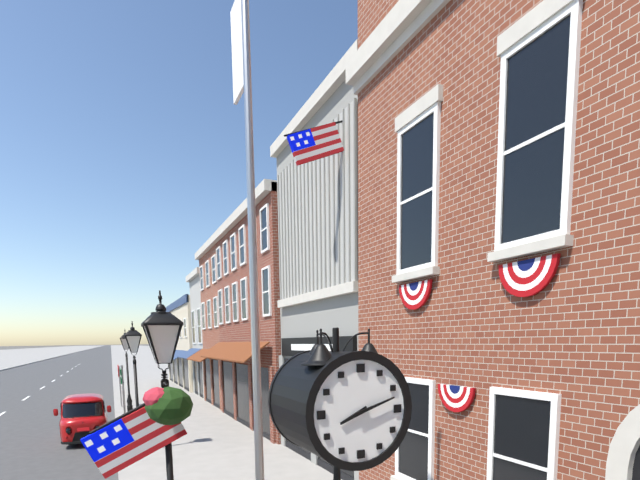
8.12
